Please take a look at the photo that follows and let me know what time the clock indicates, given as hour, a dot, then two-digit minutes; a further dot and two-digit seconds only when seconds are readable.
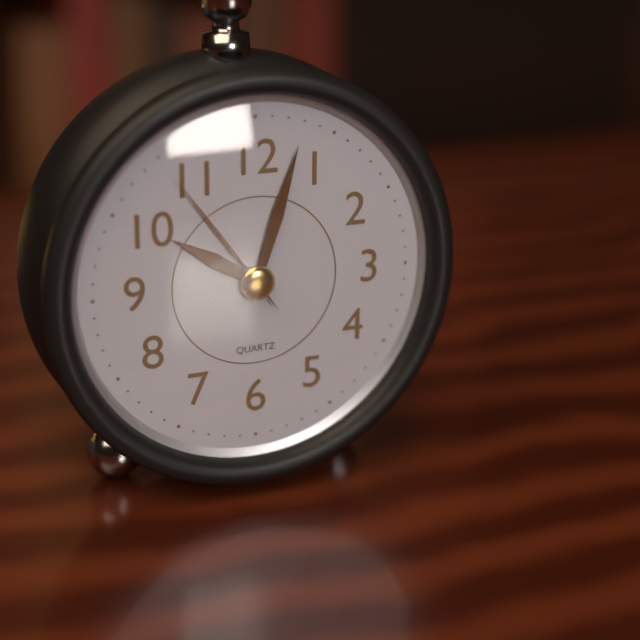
10.03.54
